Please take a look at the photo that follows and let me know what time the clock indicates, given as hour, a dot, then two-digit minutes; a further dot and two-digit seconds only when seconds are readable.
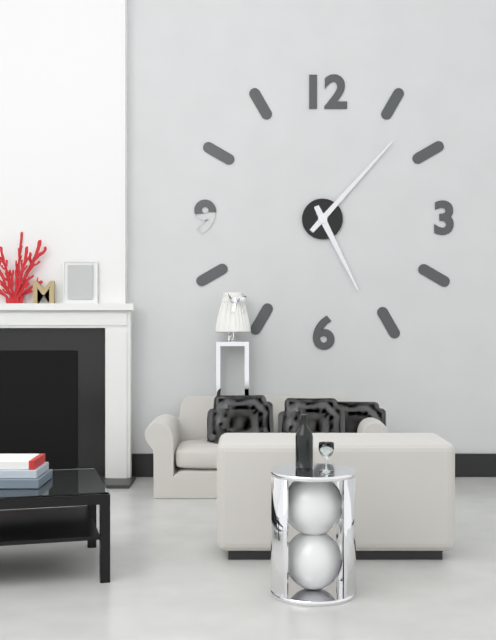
5.07
